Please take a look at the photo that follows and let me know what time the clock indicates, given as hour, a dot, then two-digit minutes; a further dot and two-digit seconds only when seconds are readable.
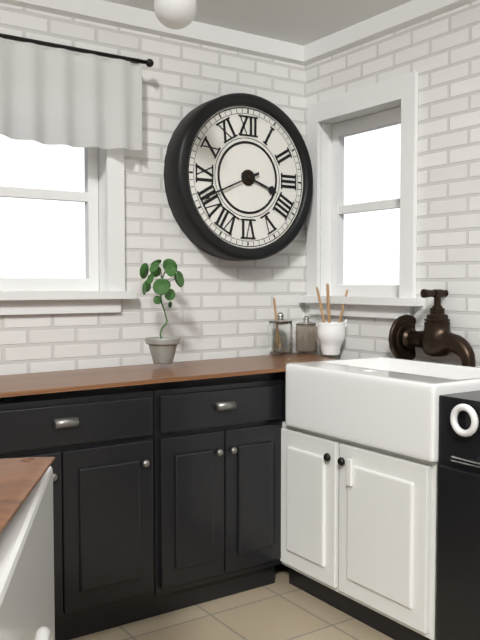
3.41
